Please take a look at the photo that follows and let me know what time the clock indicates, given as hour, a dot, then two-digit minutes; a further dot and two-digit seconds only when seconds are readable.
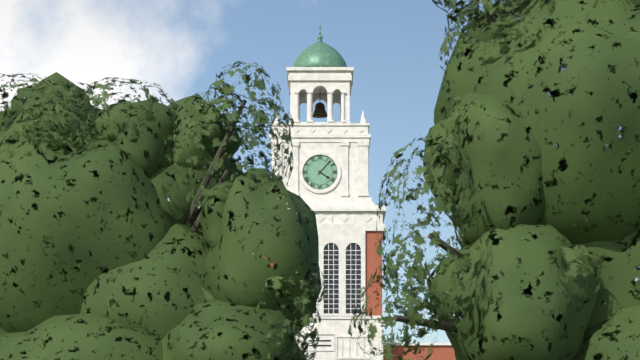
4.07
